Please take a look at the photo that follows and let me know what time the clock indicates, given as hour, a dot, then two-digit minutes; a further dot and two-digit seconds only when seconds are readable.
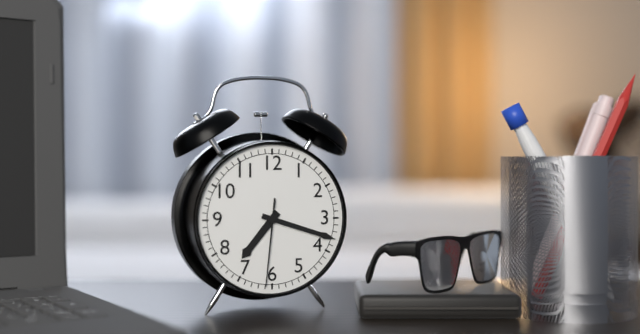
7.18.31
